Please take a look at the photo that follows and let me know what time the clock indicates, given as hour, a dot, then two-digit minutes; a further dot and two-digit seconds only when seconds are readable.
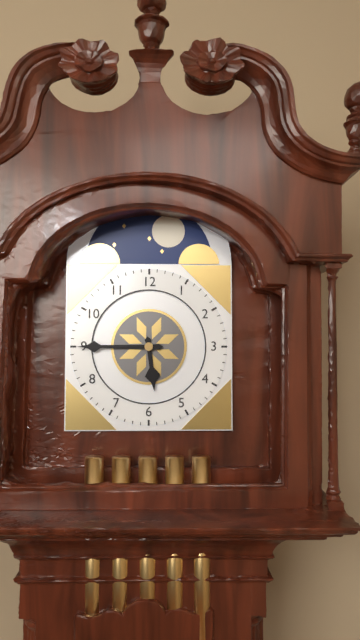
5.45
